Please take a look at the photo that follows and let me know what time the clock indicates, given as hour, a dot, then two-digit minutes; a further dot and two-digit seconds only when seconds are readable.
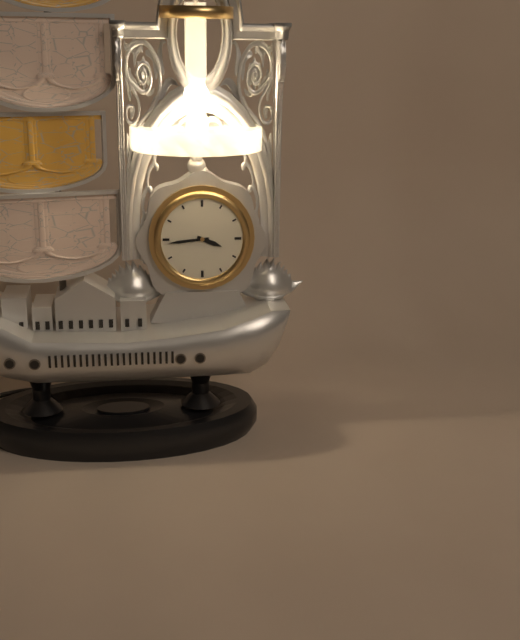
3.44
